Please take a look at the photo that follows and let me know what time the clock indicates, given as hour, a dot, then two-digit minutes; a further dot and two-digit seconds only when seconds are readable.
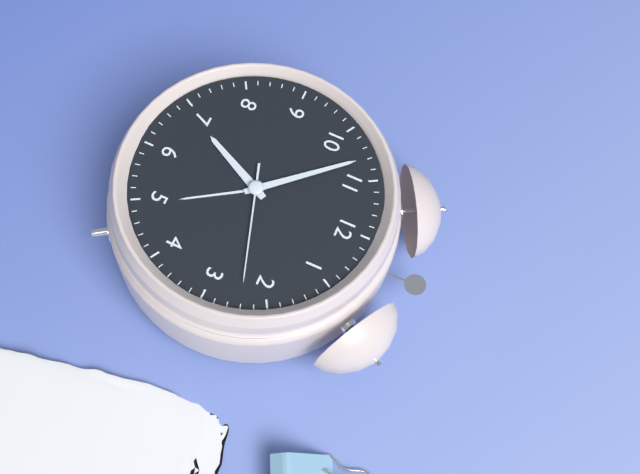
6.53.12
